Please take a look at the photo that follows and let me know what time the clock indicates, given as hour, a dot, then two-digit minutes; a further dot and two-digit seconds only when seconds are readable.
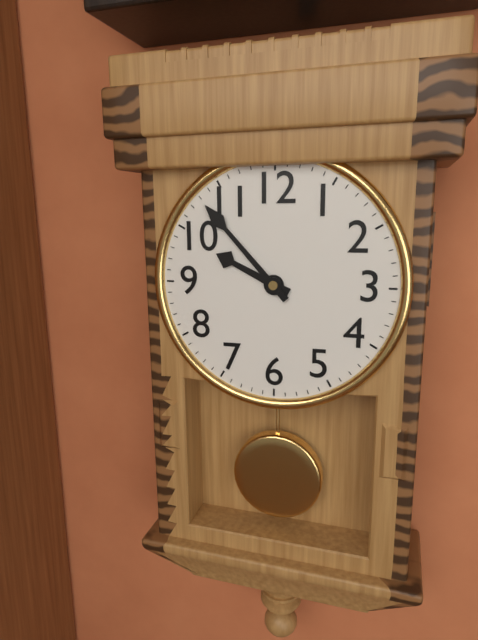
9.53
